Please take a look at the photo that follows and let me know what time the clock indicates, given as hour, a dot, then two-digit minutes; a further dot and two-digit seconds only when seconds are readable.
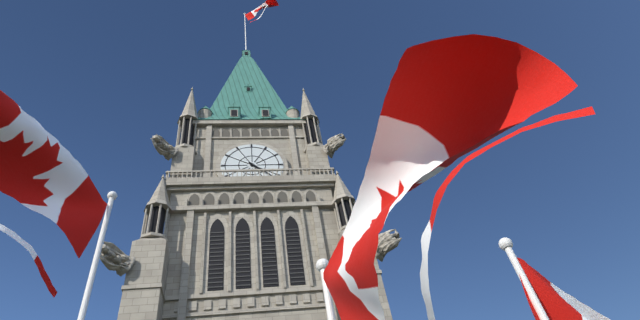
4.22
